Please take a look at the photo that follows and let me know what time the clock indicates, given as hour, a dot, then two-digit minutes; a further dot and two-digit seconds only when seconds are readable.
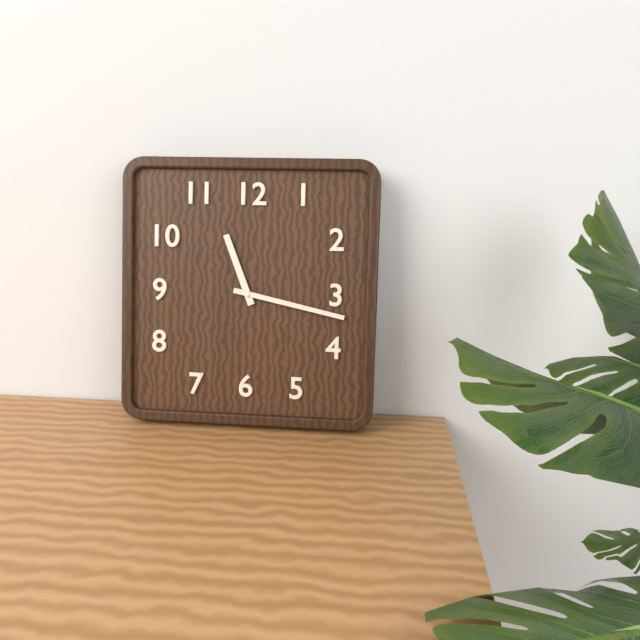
11.17
